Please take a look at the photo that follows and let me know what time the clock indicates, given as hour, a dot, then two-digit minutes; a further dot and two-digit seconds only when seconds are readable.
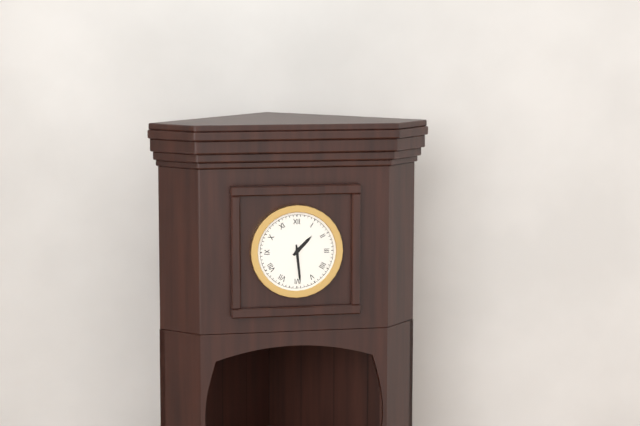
1.29
